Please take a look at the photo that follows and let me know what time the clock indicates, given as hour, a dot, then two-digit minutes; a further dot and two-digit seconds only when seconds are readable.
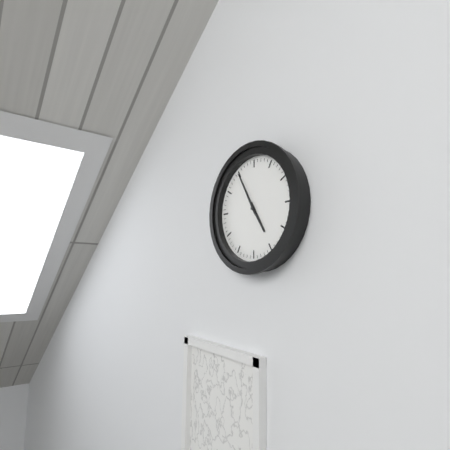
4.55
